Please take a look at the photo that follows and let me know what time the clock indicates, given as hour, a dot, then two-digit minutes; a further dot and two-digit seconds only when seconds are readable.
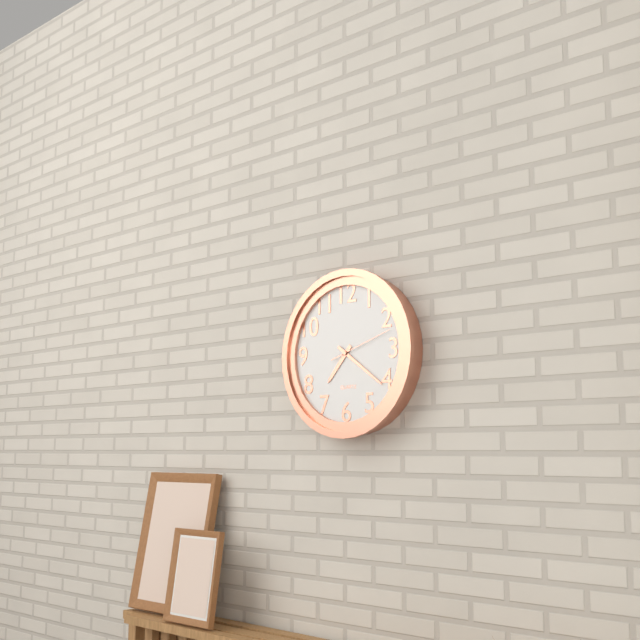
7.21.12
